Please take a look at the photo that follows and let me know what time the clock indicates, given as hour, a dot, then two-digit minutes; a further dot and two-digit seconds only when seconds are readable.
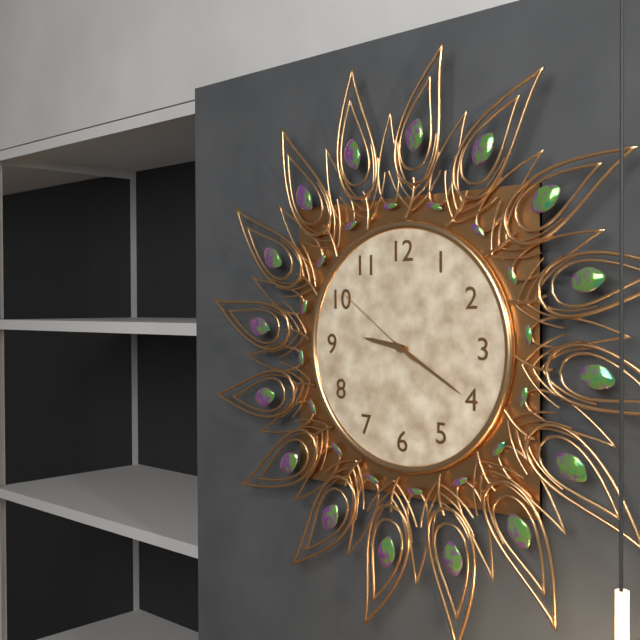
9.20.51
